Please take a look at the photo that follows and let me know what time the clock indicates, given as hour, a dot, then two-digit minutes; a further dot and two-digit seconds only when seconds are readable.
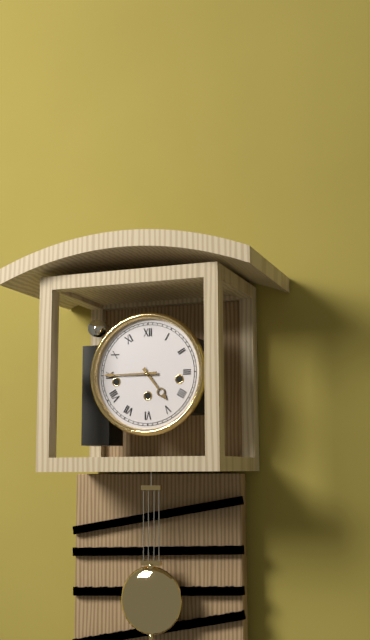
4.45
